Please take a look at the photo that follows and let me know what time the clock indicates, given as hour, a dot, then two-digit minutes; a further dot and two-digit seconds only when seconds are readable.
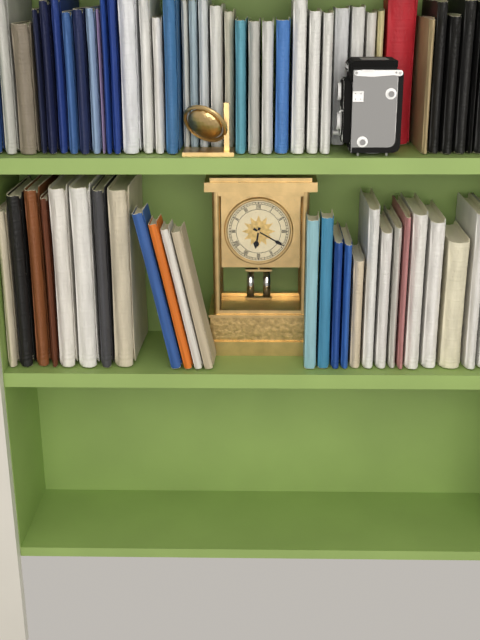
6.20
